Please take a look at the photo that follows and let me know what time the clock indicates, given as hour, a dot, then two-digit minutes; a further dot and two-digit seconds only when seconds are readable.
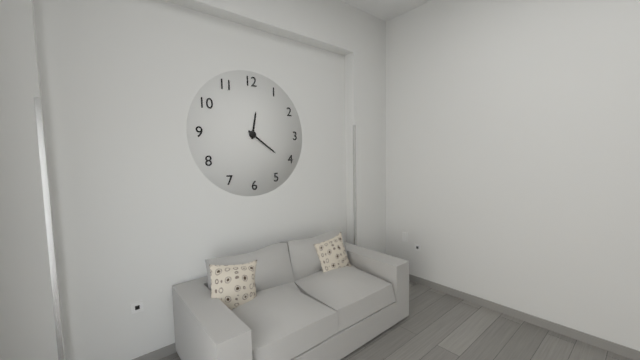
12.21
